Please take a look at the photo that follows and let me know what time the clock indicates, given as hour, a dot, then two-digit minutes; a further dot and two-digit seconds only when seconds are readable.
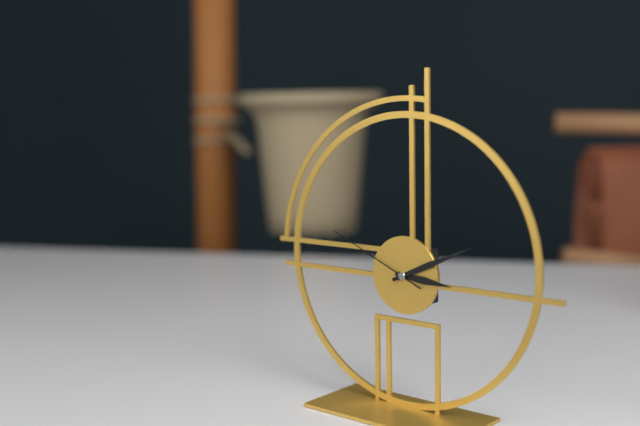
3.11.49
